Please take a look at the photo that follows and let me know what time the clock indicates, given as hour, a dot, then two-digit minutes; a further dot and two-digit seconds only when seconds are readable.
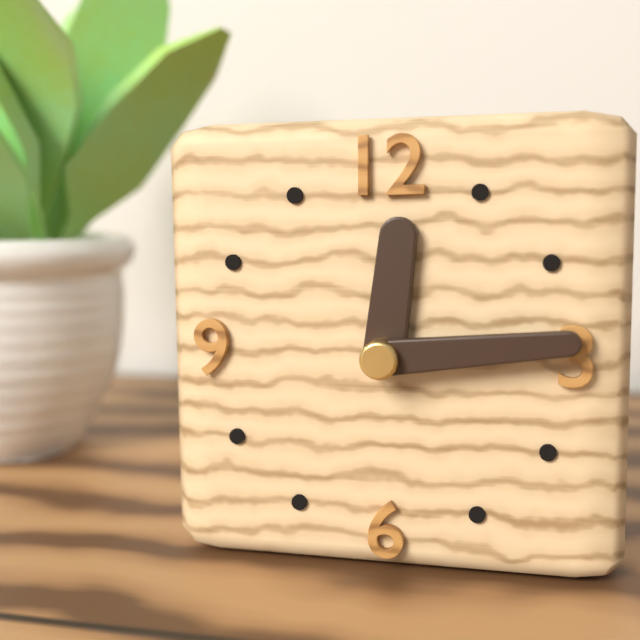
12.14
